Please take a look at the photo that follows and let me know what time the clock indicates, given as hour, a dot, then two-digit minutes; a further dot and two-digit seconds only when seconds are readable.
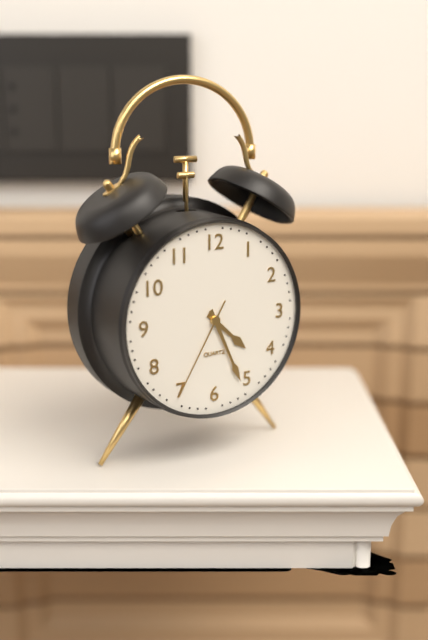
4.26.35
